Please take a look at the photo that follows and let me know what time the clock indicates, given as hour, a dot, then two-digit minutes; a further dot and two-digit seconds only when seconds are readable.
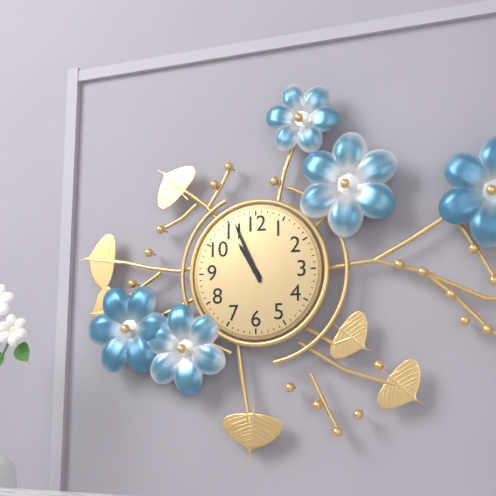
10.56
